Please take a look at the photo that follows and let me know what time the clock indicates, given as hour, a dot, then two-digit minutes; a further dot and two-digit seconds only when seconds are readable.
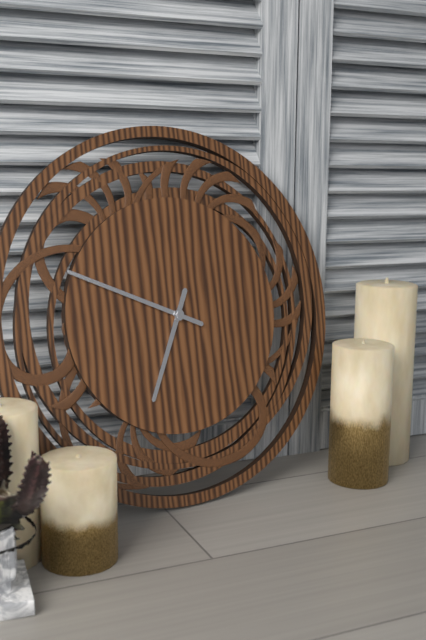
6.49
